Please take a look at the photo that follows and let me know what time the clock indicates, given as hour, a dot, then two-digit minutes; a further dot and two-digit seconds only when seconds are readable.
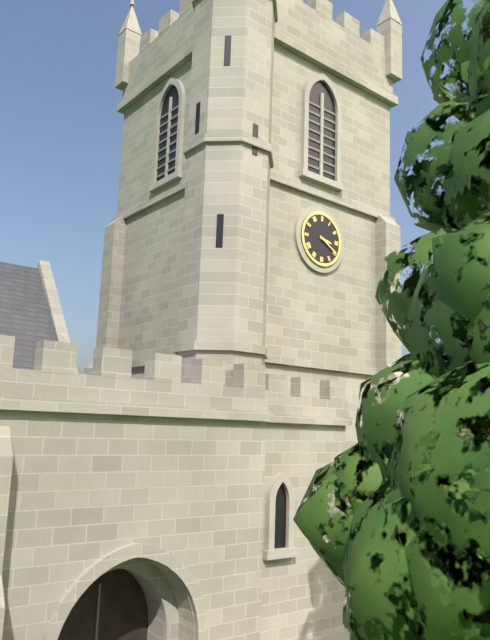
3.20
